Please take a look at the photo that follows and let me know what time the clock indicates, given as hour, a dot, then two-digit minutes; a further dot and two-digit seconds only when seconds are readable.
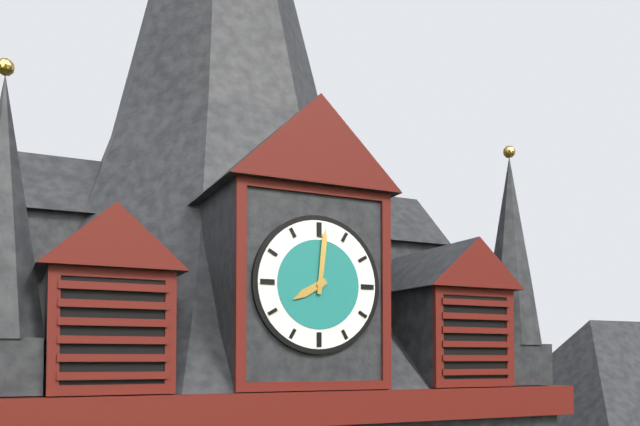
8.01
